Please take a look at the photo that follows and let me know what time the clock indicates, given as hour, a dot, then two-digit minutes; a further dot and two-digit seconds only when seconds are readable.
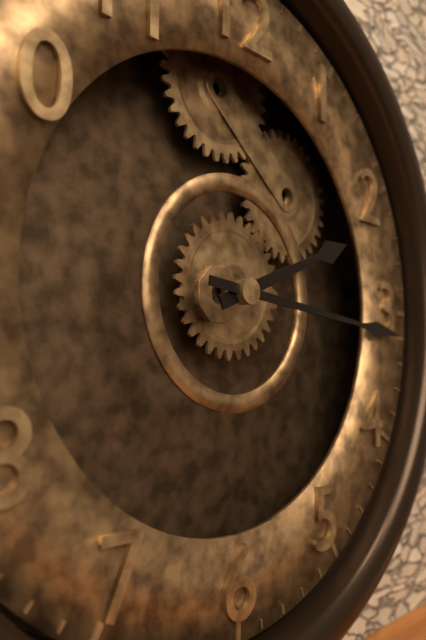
2.16
